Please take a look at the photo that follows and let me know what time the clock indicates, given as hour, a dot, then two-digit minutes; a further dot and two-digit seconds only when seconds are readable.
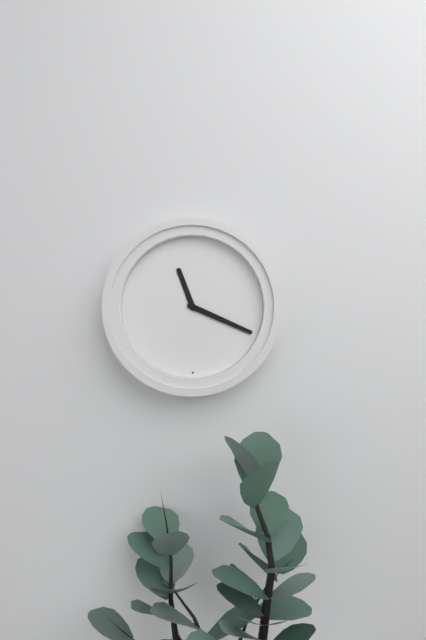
11.19
